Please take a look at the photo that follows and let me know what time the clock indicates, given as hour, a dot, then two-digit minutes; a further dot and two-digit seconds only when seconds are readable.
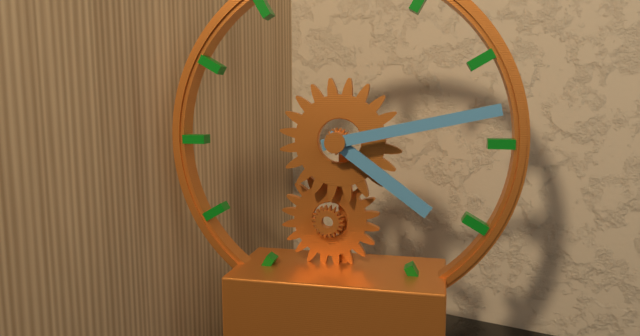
4.13
